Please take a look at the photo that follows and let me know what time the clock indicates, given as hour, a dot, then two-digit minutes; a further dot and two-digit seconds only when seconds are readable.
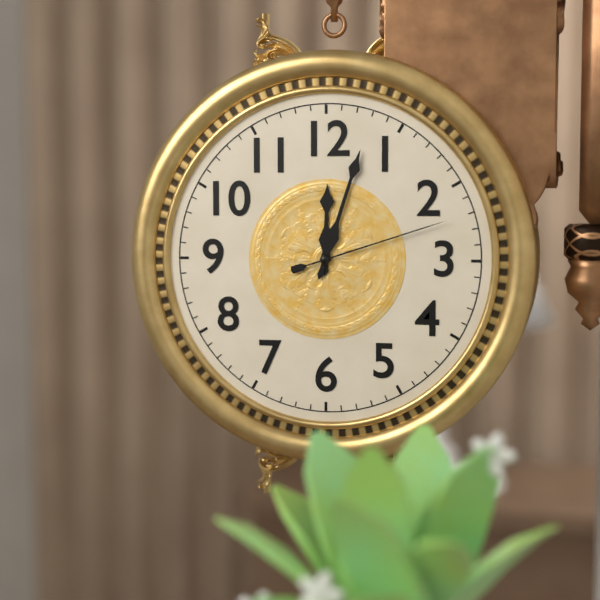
12.03.12
